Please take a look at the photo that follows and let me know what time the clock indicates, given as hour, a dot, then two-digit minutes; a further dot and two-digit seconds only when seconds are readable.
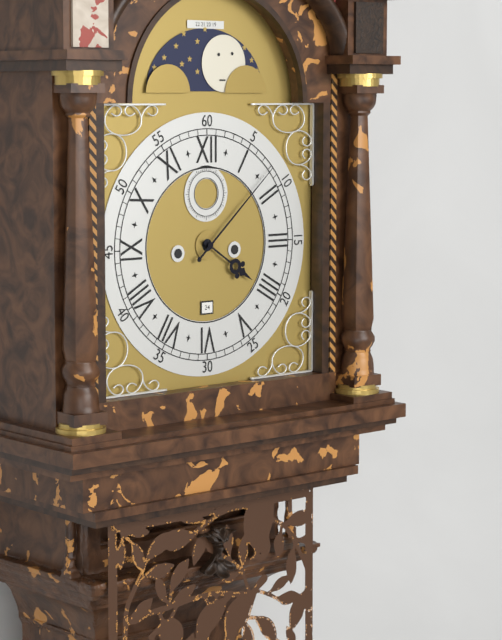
4.08
